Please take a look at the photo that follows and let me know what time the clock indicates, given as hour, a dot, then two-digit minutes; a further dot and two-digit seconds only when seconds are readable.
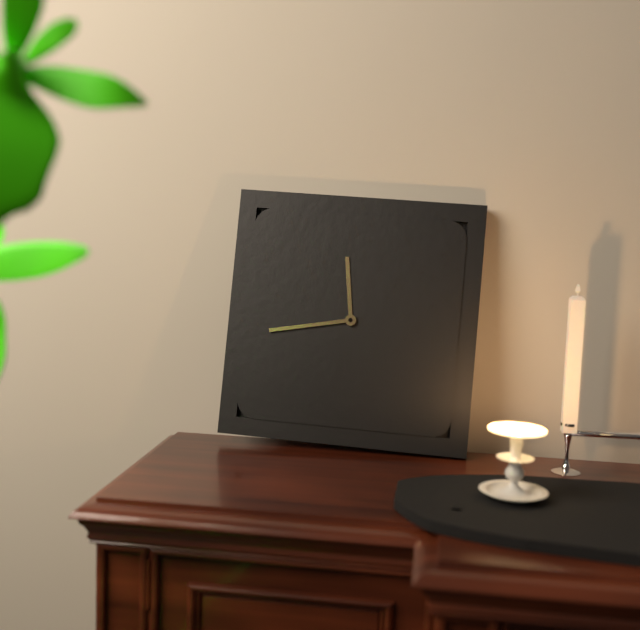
11.43
